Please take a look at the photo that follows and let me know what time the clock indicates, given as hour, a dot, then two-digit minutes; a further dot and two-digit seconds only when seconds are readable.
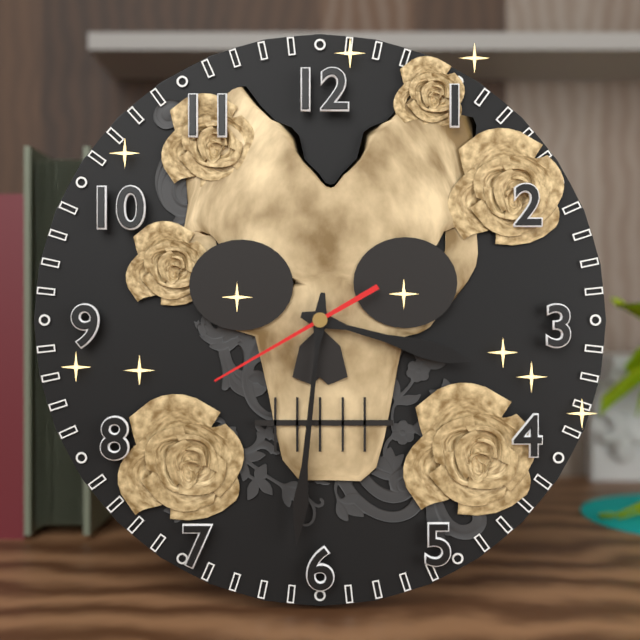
3.31.40
